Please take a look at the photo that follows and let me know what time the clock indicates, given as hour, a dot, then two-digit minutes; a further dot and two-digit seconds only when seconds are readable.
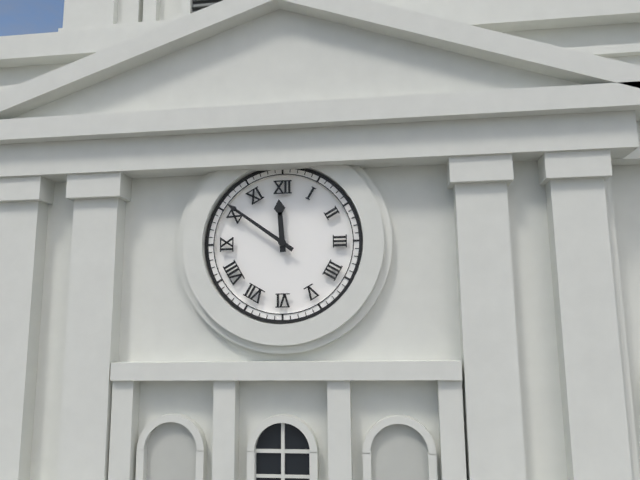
11.51
